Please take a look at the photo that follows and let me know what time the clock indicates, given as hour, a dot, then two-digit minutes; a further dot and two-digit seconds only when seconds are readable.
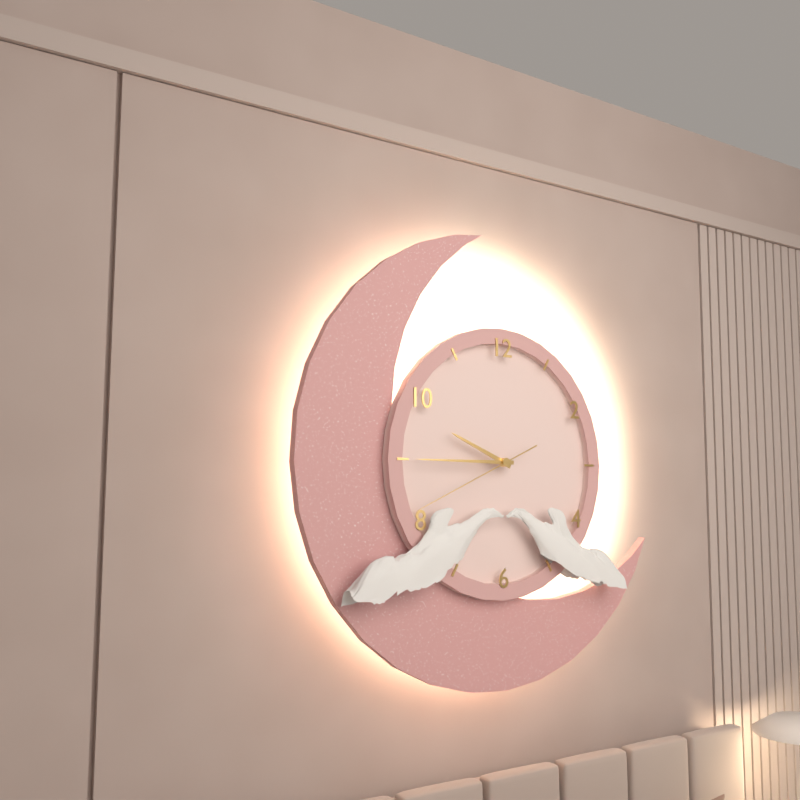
9.45.41
